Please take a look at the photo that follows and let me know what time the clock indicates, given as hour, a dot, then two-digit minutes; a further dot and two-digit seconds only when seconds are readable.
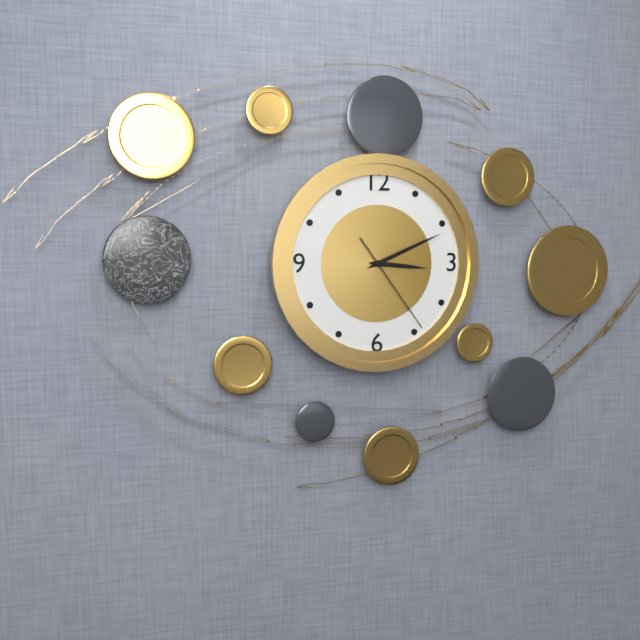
3.11.24
